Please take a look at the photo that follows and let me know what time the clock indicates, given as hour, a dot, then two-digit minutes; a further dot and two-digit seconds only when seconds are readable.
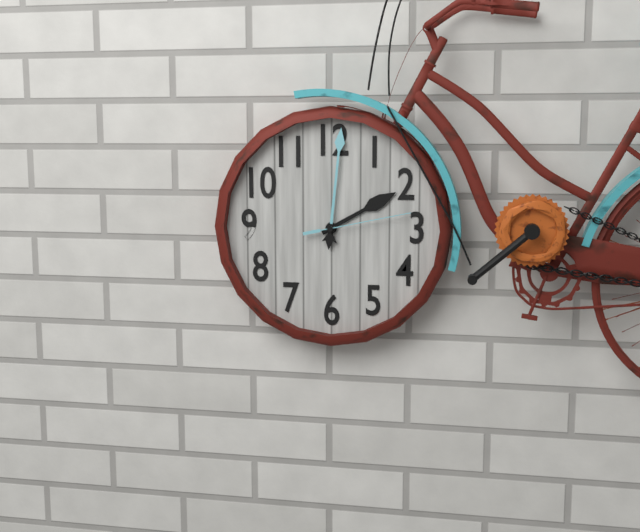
2.01.13
